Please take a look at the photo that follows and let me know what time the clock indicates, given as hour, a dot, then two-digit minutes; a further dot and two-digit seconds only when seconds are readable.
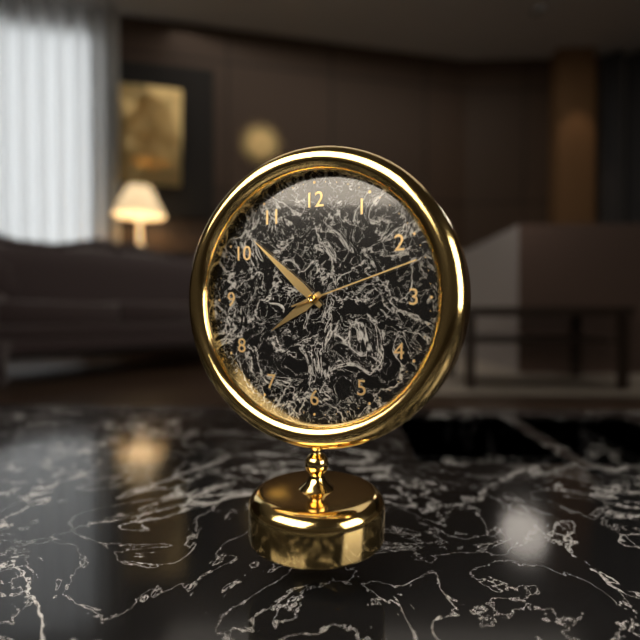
7.52.12
